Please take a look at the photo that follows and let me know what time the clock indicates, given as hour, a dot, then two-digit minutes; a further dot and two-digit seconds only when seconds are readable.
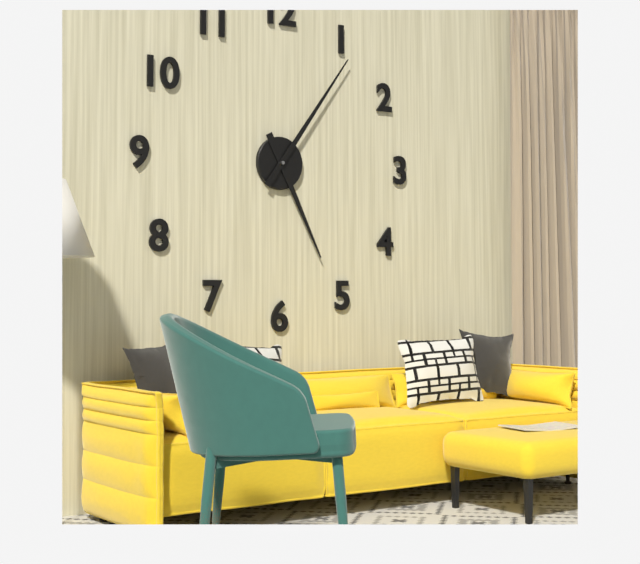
5.06
